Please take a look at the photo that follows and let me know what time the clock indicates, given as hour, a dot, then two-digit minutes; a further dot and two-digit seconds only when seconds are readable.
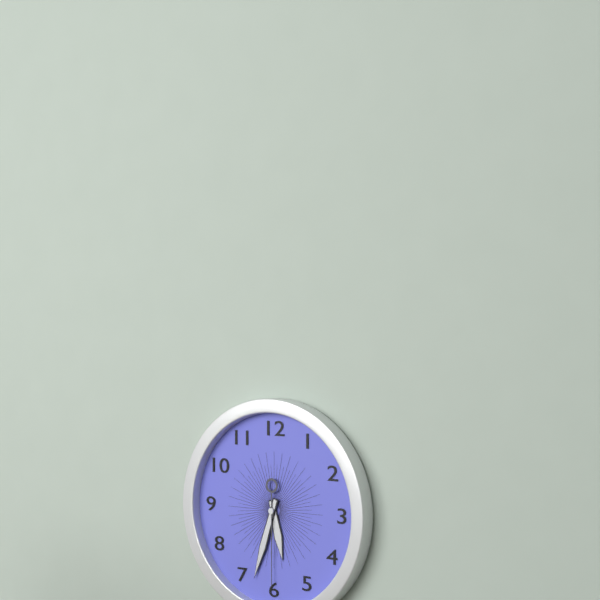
5.33.30
